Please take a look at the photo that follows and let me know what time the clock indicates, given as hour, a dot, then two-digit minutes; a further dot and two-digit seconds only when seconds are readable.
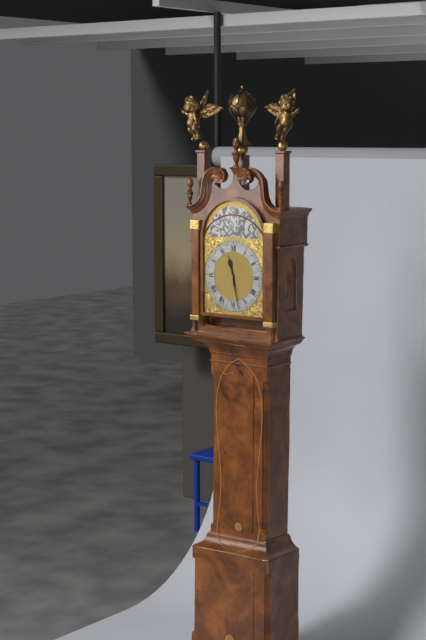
11.28
